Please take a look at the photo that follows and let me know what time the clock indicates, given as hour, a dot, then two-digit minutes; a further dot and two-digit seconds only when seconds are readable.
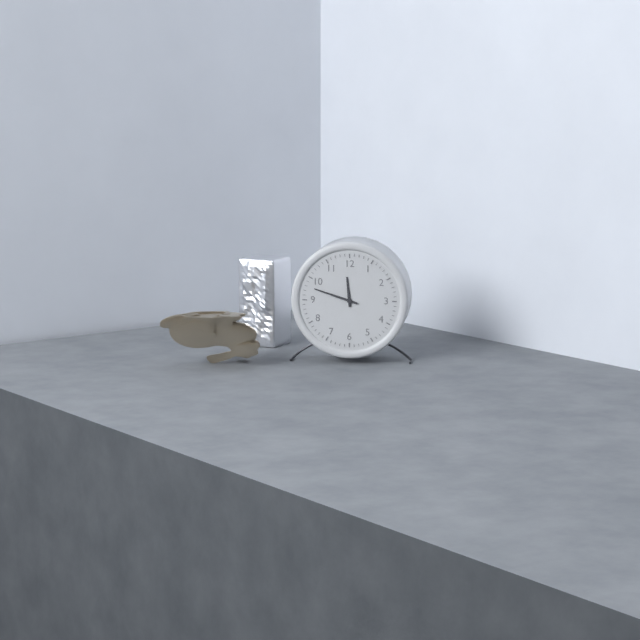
11.48
